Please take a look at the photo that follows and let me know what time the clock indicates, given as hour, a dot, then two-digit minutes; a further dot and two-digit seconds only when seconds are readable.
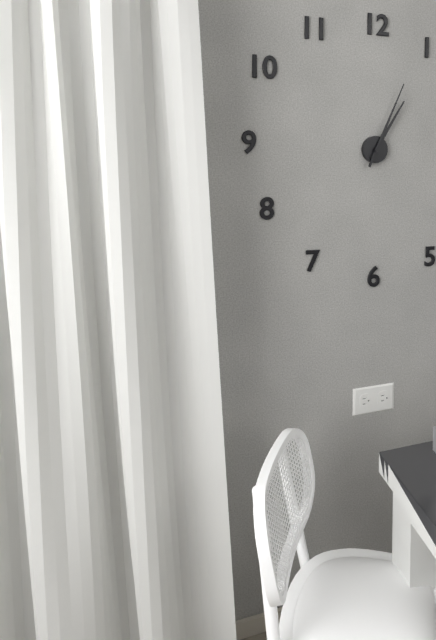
1.04
